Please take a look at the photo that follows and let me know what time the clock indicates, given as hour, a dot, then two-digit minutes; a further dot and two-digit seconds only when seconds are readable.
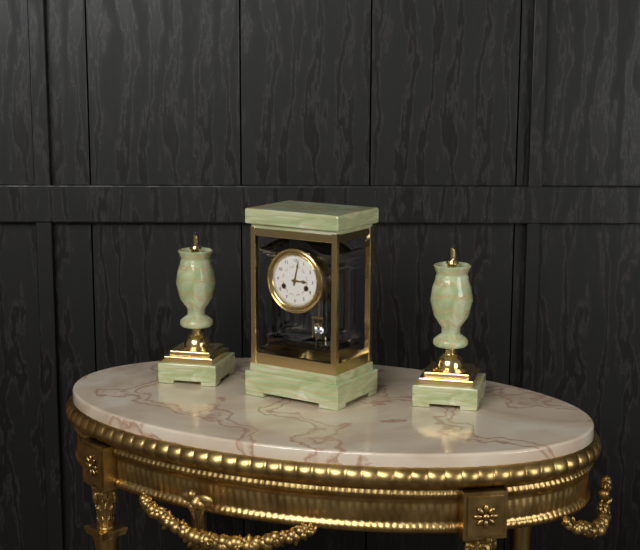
3.02
